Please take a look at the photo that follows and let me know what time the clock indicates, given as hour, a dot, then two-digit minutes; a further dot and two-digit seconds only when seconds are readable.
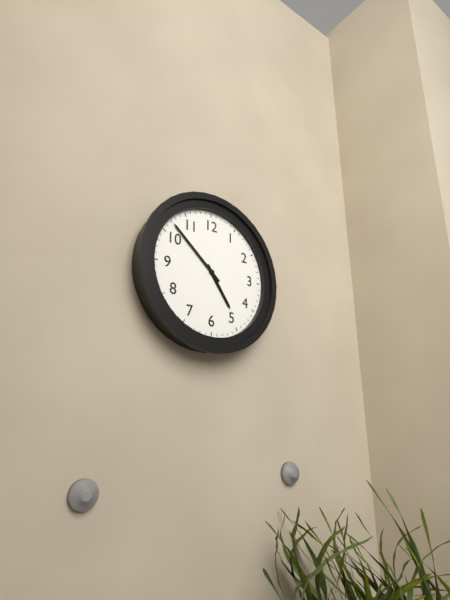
4.52
